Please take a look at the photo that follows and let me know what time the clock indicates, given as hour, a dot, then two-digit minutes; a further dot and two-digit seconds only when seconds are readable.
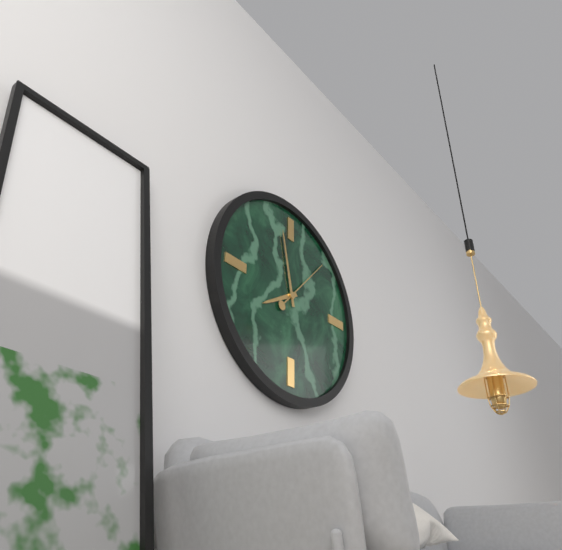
7.58.07
